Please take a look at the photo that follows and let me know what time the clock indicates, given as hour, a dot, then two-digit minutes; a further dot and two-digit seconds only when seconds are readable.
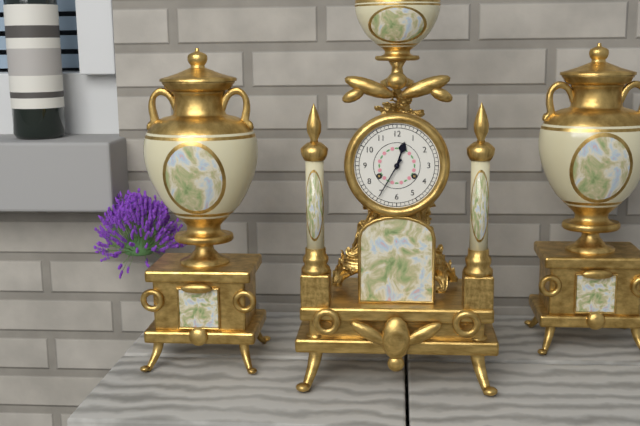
12.35
